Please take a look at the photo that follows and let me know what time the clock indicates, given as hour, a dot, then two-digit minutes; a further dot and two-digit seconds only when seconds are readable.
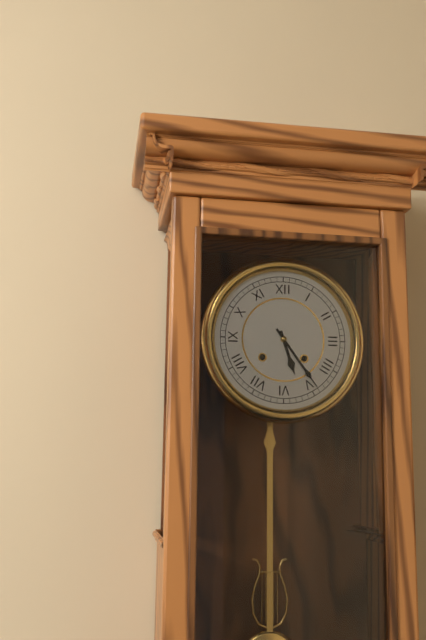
5.24
